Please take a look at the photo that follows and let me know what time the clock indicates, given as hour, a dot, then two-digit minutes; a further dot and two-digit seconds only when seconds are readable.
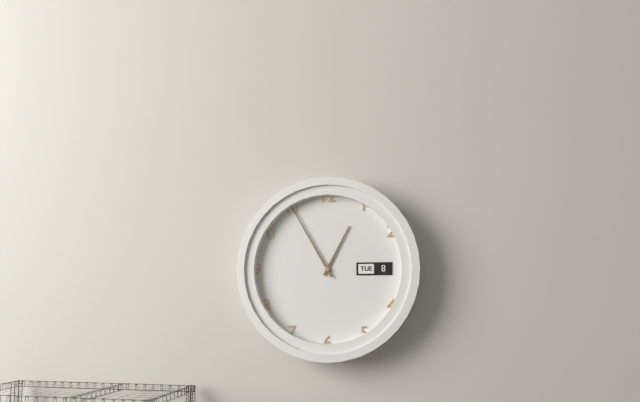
12.55
